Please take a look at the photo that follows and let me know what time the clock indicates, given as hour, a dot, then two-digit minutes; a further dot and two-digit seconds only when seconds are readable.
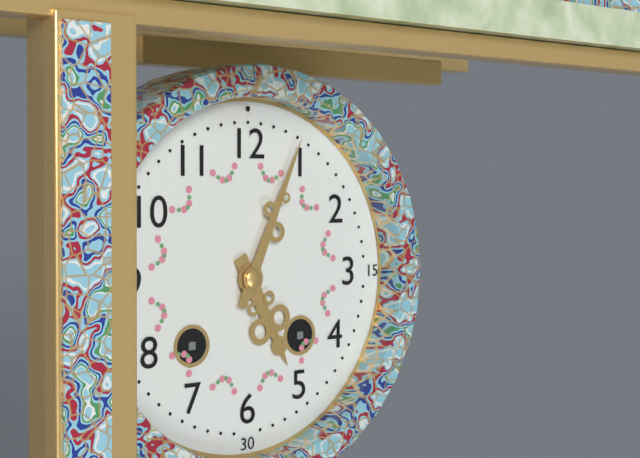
5.04
